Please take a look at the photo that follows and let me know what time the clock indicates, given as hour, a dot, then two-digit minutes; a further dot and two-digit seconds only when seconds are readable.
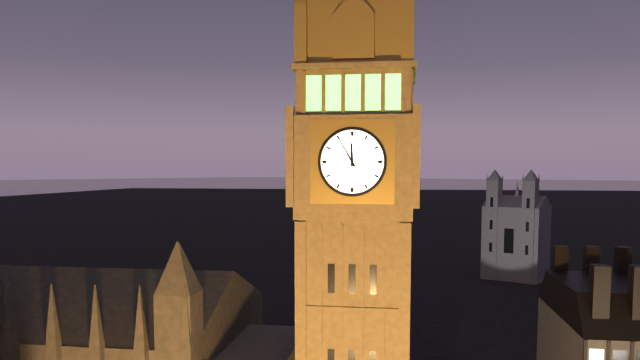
11.55
